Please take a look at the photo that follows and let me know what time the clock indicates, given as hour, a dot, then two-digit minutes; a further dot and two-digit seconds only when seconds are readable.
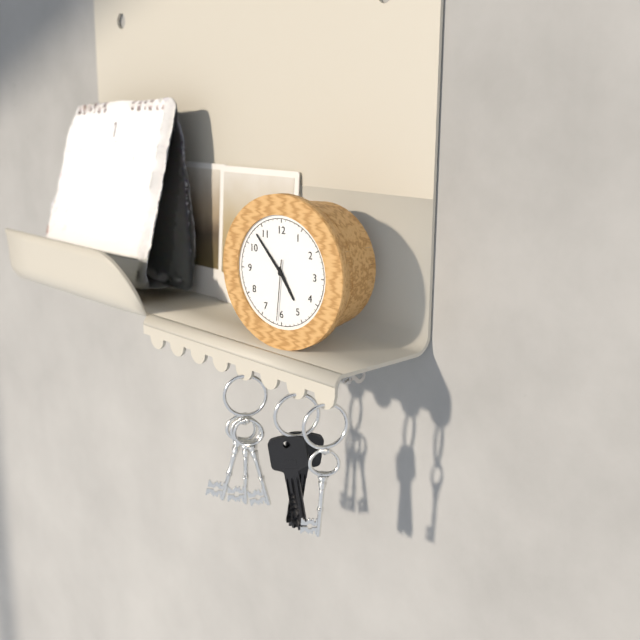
4.53.31
